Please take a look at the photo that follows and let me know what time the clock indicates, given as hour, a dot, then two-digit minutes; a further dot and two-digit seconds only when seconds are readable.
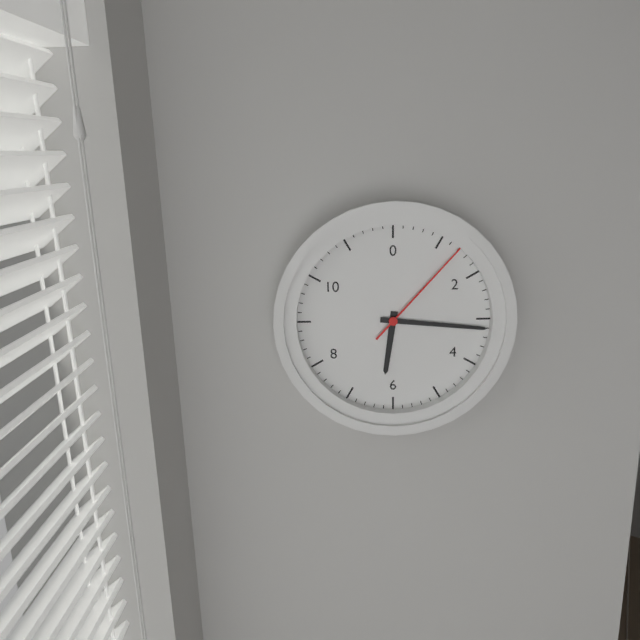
6.16.07
